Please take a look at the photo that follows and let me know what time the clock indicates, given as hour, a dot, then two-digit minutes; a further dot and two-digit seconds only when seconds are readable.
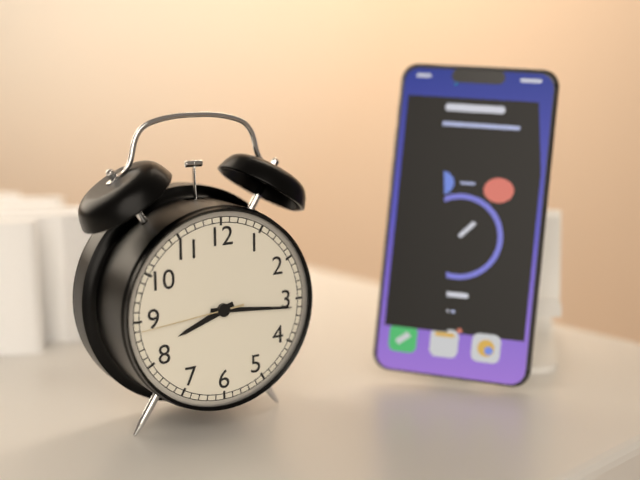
8.16.44
